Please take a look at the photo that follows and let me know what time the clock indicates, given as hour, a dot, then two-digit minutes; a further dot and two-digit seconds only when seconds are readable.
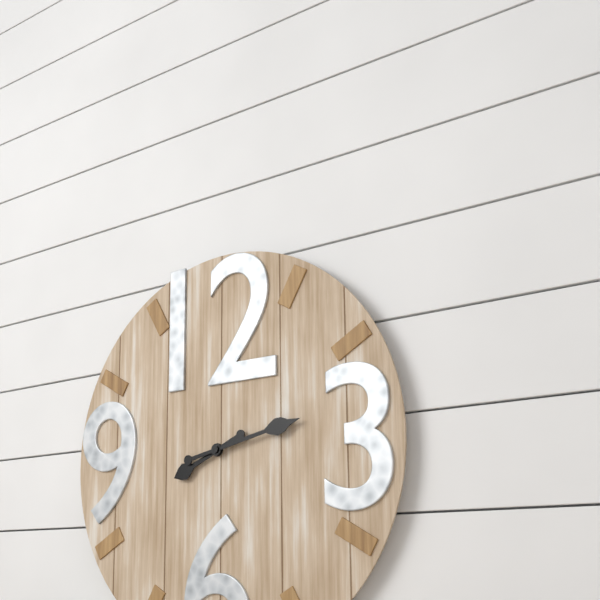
8.13
